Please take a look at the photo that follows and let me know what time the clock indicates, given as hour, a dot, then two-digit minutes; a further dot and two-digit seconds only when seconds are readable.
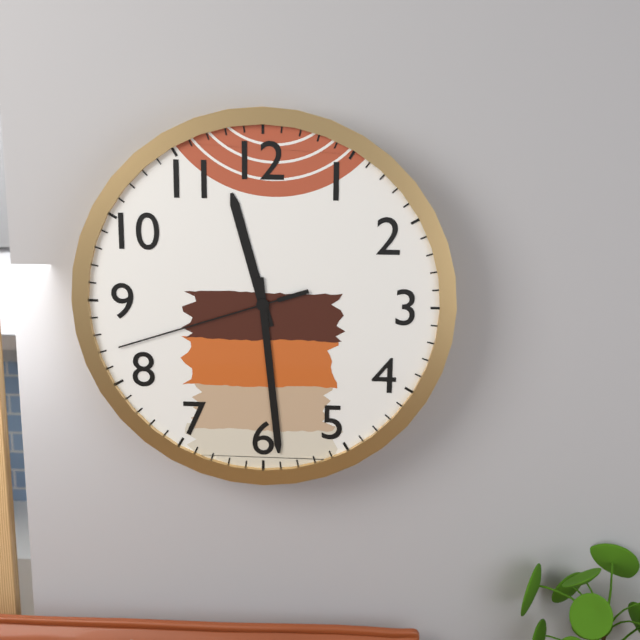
11.29.42
